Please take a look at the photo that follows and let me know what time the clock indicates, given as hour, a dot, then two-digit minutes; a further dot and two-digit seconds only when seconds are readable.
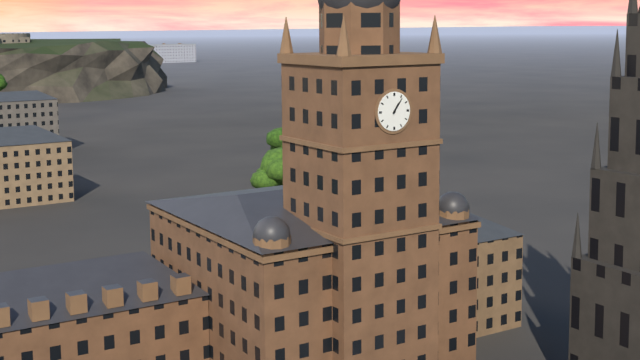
1.06
